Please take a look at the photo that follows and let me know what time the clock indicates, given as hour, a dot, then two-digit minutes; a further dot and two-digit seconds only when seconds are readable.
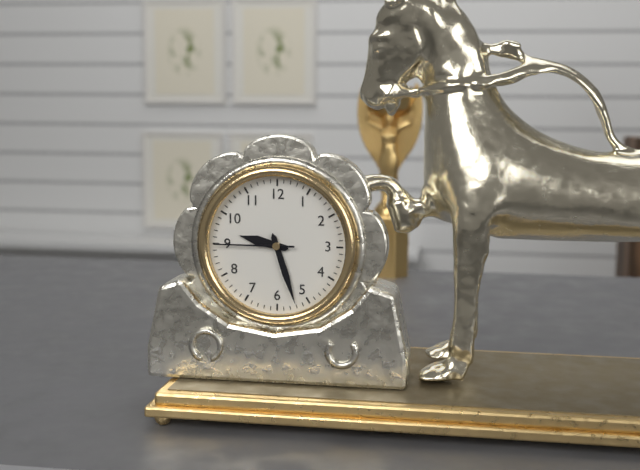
9.27.45
